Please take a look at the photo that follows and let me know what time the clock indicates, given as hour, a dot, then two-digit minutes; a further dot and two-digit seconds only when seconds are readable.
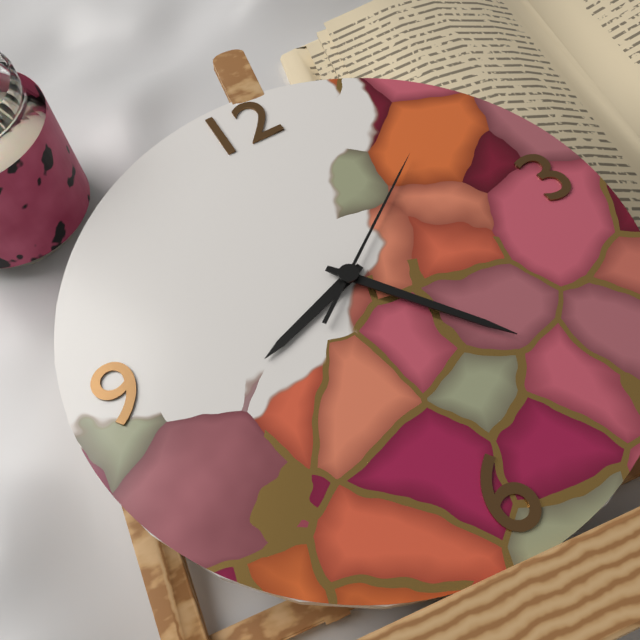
8.24.09
